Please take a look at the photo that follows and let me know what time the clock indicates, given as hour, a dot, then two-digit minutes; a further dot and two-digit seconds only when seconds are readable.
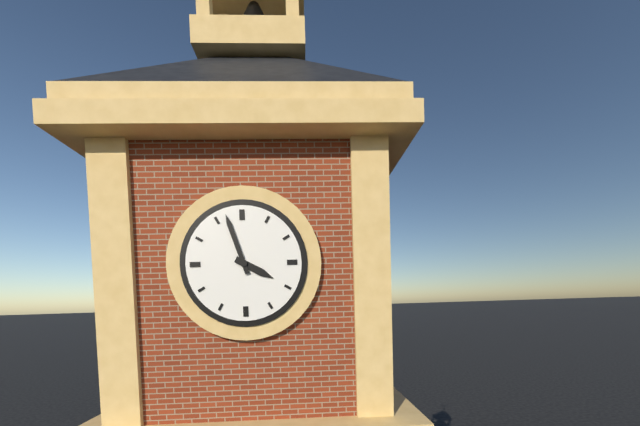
3.57
